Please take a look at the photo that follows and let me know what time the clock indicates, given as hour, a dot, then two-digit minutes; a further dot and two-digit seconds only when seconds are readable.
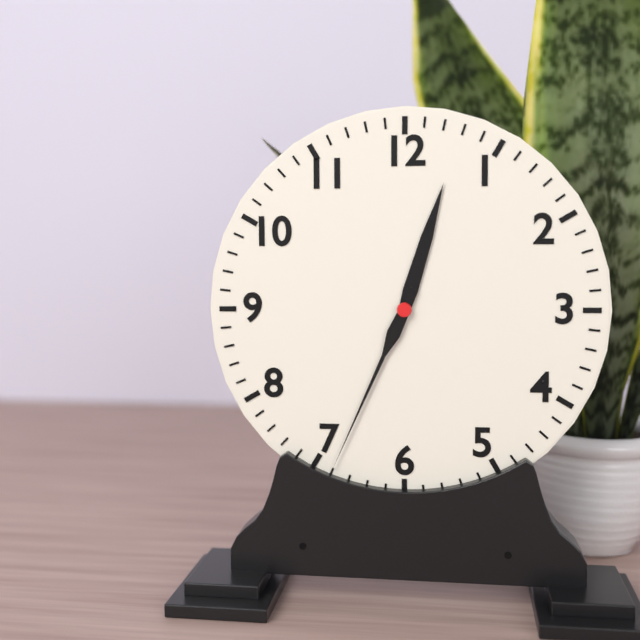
12.34
